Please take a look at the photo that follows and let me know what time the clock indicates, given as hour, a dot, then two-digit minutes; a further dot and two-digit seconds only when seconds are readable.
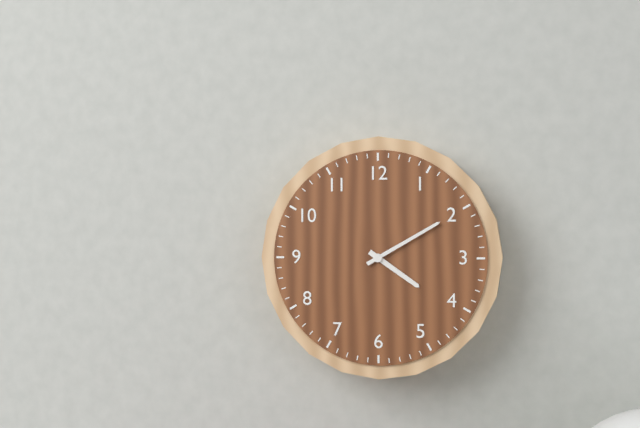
4.10
